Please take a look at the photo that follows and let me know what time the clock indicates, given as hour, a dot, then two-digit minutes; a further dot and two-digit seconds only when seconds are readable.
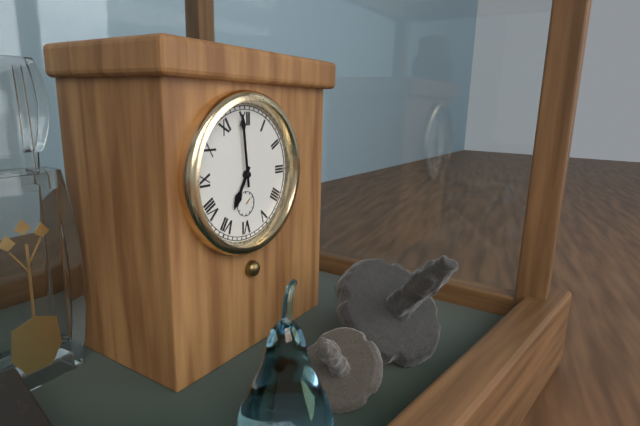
6.59
